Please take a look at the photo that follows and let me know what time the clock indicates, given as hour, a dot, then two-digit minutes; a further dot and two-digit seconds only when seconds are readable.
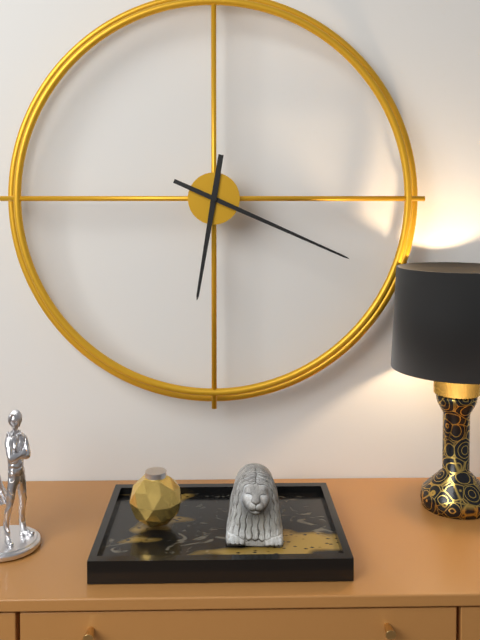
6.19
